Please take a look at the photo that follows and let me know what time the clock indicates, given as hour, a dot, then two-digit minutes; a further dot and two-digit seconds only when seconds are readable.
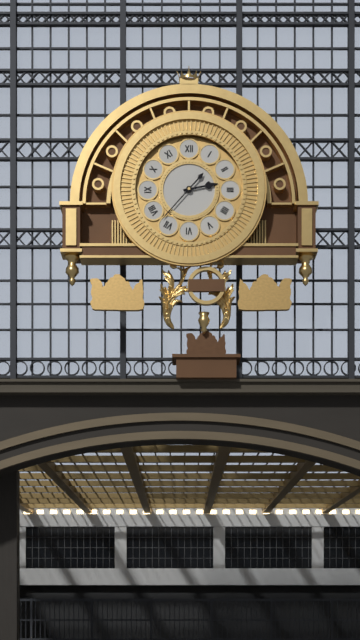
2.37
